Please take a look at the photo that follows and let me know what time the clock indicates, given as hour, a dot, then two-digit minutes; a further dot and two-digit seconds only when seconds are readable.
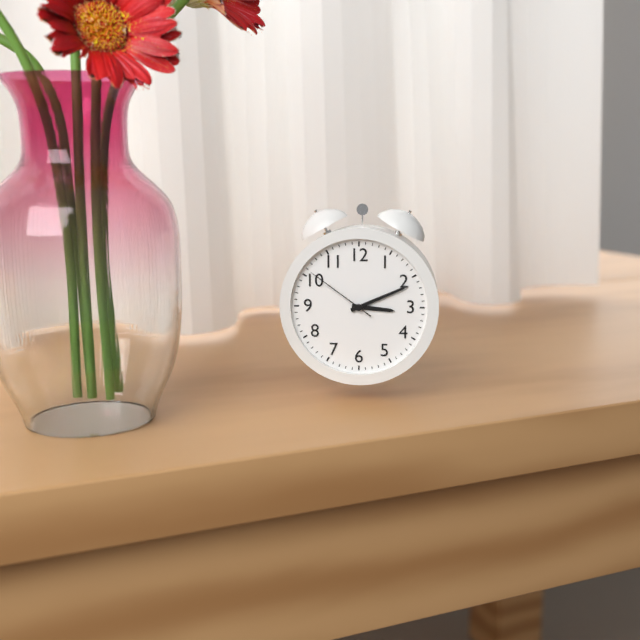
3.11.51
